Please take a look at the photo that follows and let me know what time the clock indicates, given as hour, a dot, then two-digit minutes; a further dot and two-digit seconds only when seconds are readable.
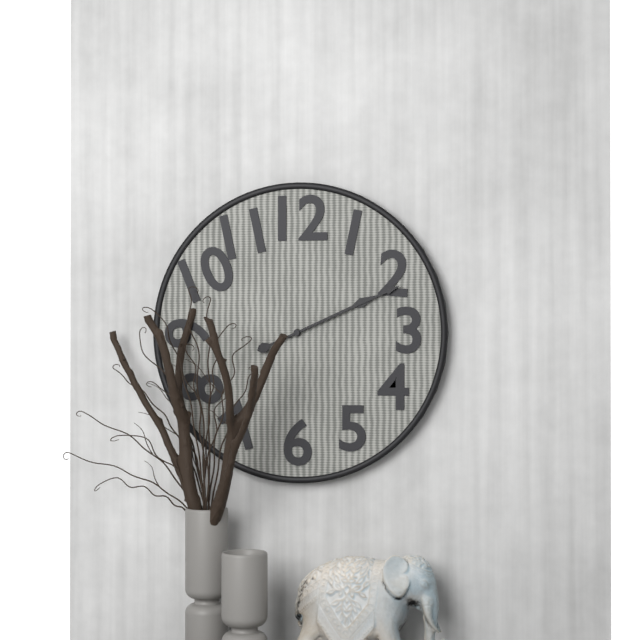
2.11
